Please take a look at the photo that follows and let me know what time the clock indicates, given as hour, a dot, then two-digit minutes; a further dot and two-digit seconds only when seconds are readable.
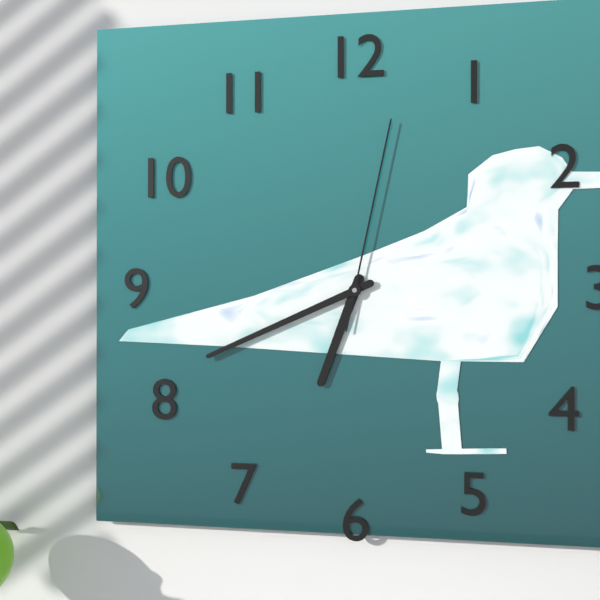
6.41.02
